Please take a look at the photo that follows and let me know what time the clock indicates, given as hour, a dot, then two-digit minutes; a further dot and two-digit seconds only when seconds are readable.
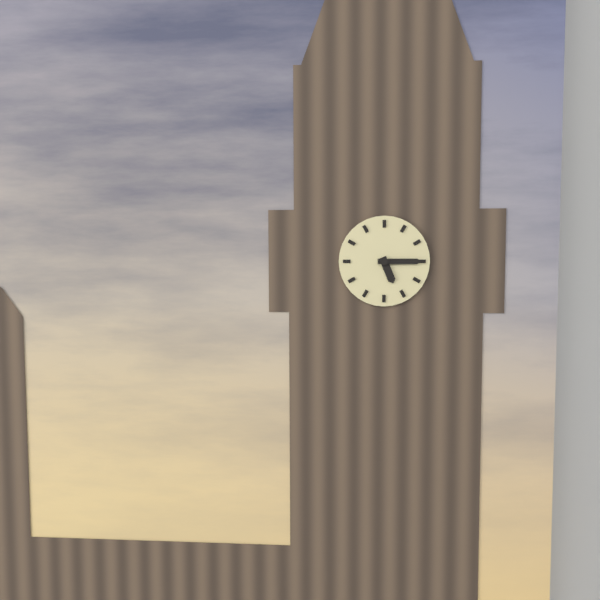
5.15
